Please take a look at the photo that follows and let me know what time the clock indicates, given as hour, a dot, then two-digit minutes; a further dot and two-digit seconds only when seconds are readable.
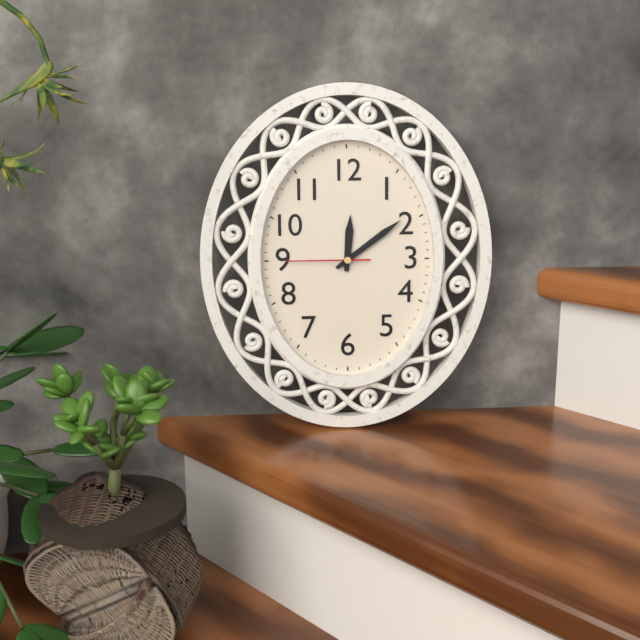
12.09.45
